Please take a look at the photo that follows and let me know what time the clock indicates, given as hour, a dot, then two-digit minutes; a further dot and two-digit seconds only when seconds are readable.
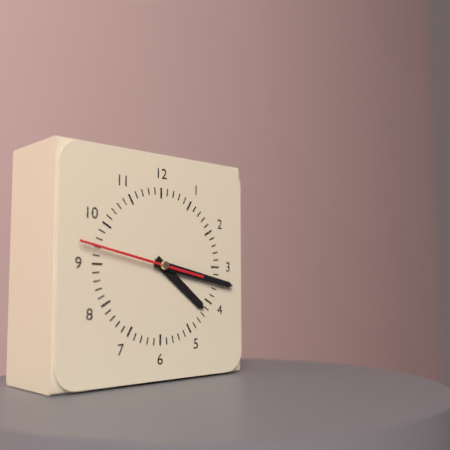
4.17.47
